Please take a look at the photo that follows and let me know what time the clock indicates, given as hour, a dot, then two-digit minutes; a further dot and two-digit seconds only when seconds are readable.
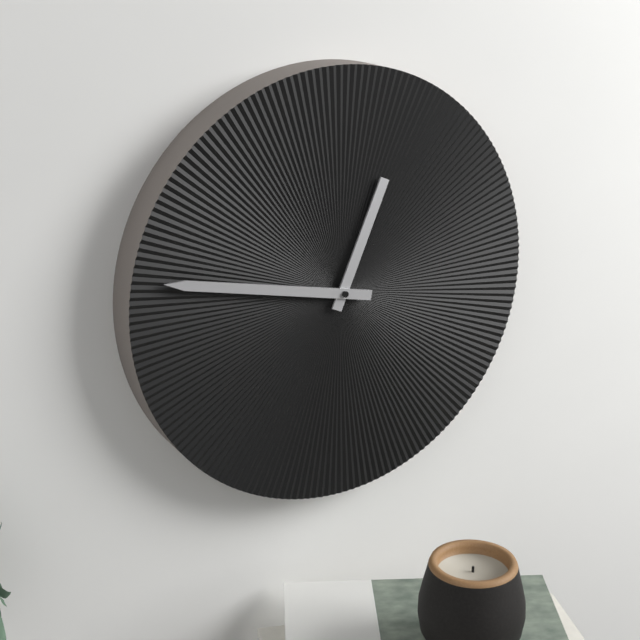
12.47
